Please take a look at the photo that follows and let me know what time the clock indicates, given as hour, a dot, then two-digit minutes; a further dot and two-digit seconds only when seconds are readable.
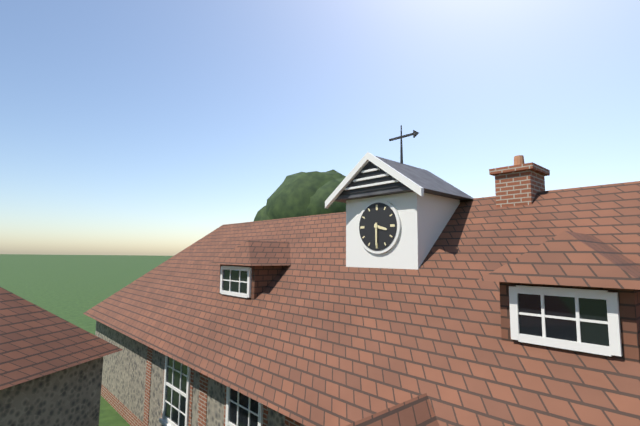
3.30
